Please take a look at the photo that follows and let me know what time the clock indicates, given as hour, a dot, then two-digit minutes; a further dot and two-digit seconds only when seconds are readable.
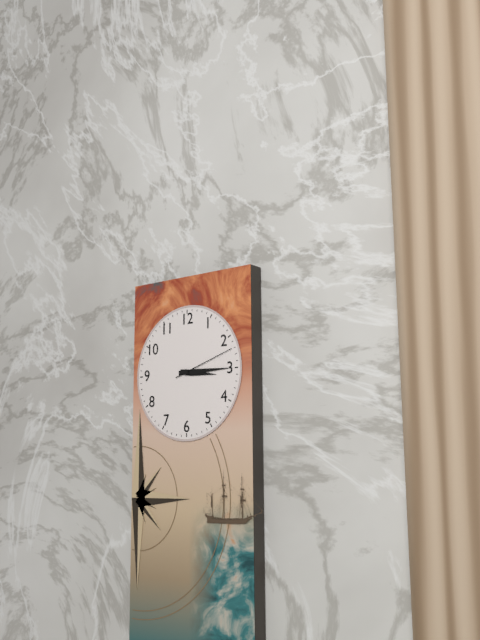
3.15.12
